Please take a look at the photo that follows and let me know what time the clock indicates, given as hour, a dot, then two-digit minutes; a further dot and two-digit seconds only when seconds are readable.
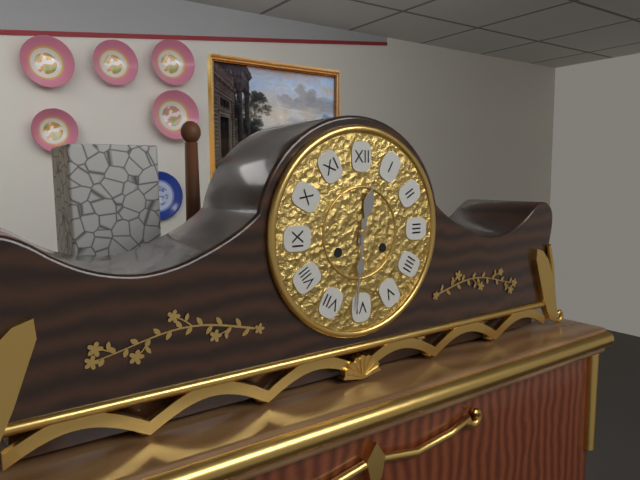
12.31
